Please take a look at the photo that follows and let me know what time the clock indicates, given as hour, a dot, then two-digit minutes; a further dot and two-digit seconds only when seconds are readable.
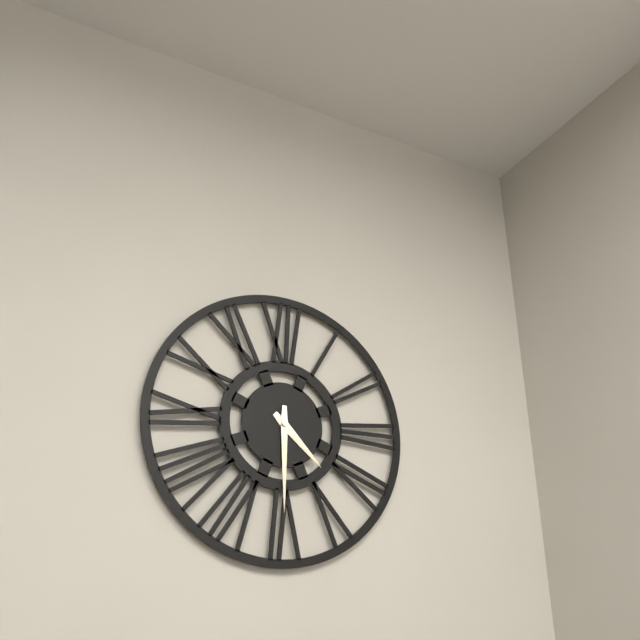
4.30
